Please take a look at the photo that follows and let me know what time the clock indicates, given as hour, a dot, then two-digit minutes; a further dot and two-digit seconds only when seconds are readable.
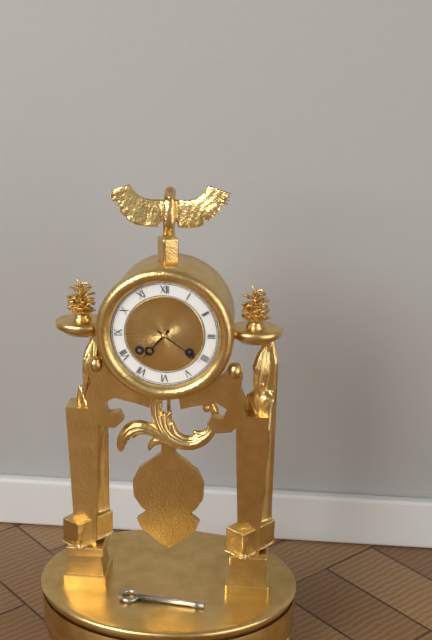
7.21
